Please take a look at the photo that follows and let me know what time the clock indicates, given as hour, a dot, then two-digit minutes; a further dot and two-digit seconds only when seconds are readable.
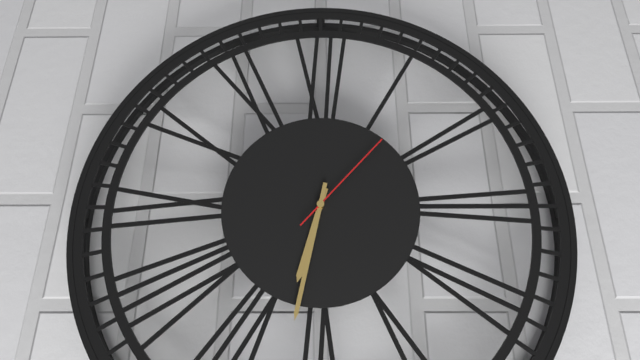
6.32.07
